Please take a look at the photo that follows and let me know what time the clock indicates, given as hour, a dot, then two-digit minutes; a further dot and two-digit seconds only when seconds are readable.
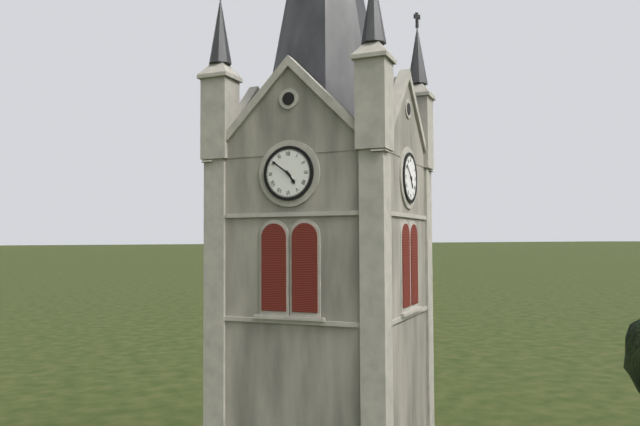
4.51
